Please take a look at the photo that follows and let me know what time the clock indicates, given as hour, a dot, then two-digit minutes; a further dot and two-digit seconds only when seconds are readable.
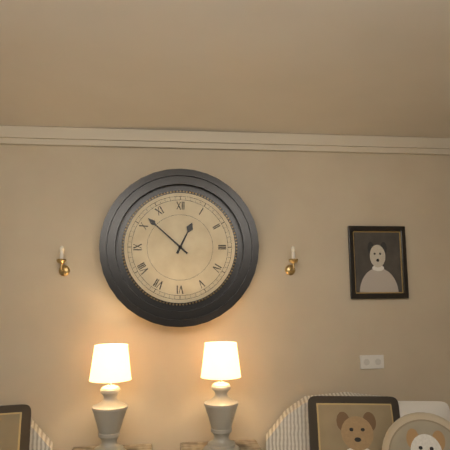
12.52
